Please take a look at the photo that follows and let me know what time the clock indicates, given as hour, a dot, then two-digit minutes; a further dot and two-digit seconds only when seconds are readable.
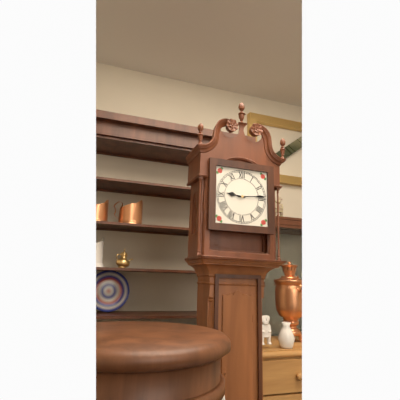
9.14
